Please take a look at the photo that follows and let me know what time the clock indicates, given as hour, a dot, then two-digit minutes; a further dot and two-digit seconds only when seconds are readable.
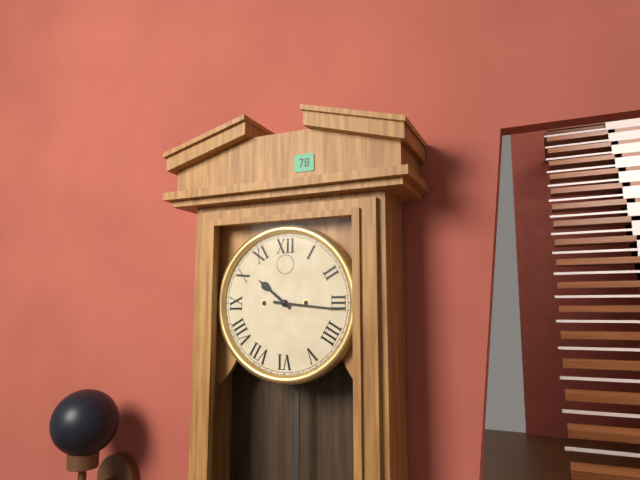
10.16
